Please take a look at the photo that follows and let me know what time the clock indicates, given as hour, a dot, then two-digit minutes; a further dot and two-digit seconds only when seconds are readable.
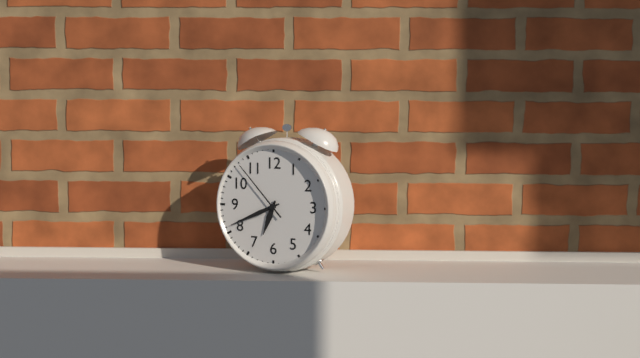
6.41.53
